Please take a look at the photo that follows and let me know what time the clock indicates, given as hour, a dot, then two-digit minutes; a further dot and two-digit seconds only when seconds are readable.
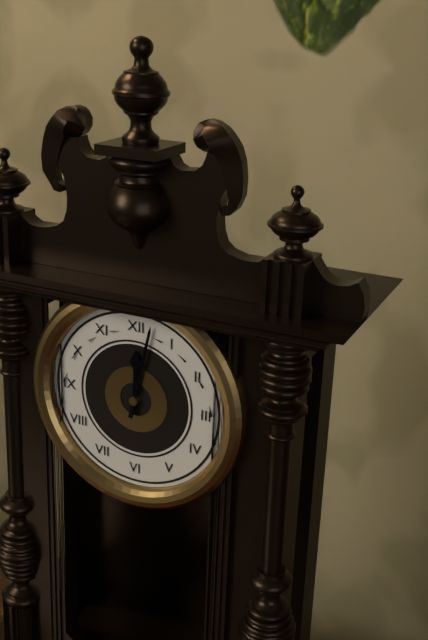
12.02
